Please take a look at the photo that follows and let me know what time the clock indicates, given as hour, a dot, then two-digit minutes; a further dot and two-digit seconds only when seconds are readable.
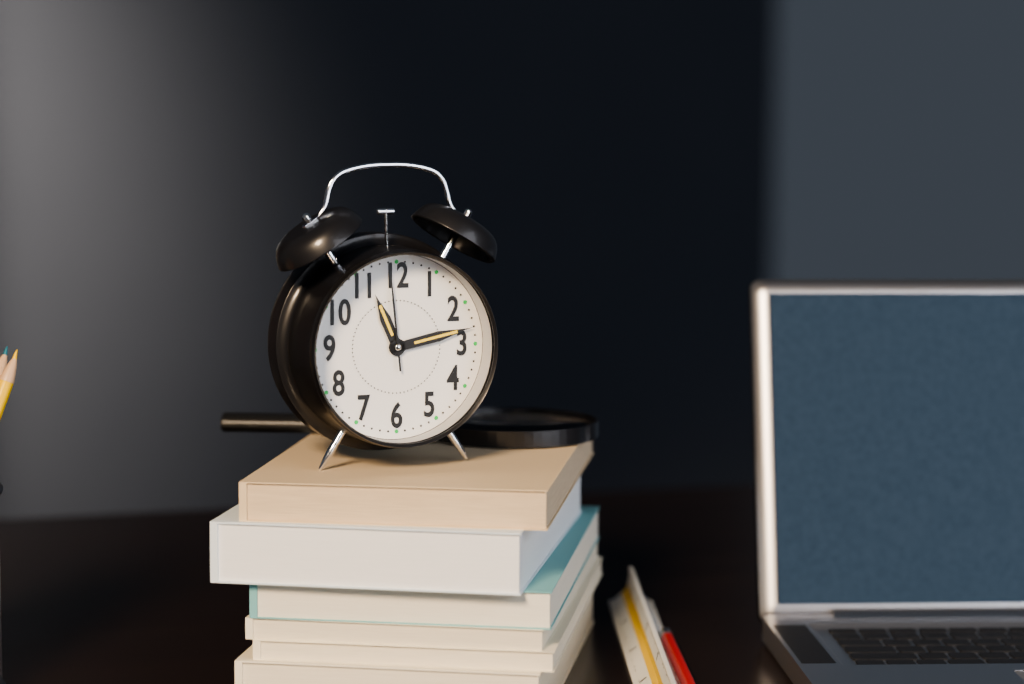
11.13.59
